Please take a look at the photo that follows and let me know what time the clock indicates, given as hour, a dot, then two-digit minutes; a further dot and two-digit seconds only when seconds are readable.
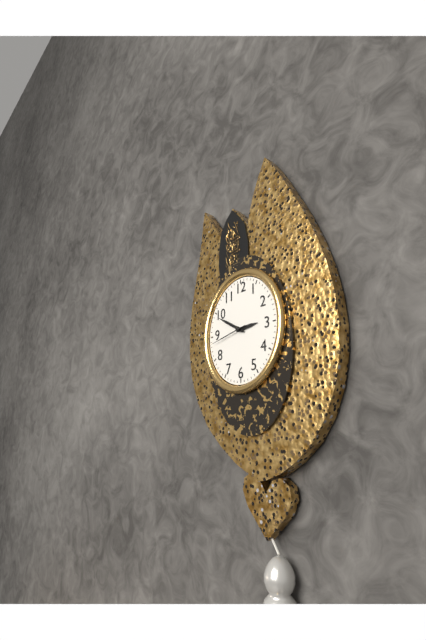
2.50
